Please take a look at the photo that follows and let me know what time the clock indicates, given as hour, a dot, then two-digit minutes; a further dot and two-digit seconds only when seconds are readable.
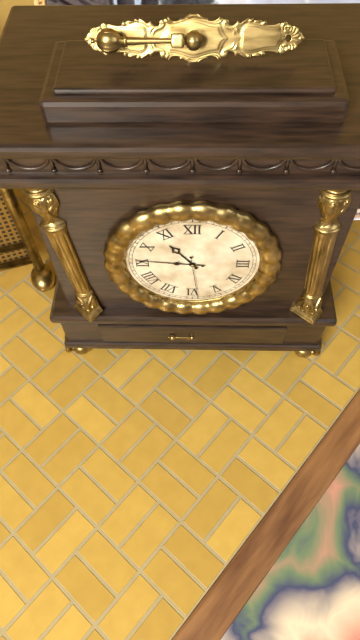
10.46
